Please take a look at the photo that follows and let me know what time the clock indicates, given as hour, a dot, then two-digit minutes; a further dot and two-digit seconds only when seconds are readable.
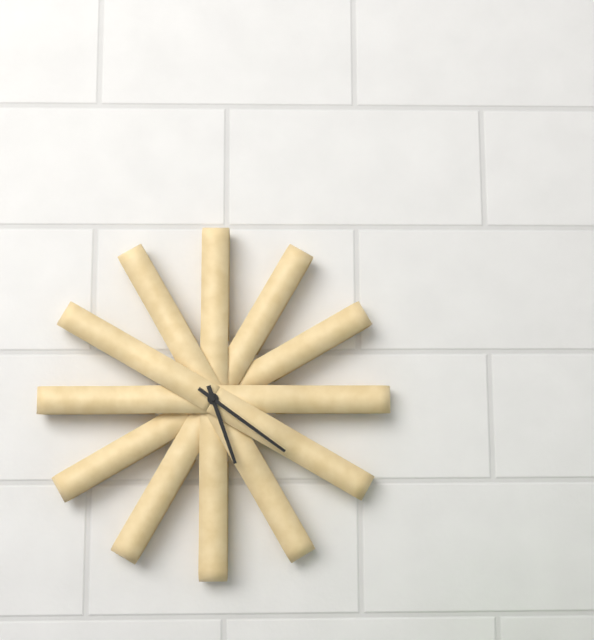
5.21
